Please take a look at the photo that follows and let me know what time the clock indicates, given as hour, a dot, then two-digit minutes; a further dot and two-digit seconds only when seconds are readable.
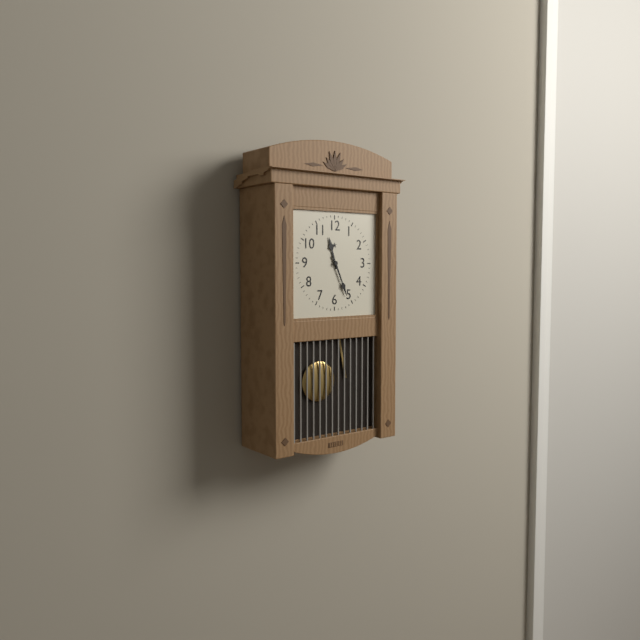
11.26
